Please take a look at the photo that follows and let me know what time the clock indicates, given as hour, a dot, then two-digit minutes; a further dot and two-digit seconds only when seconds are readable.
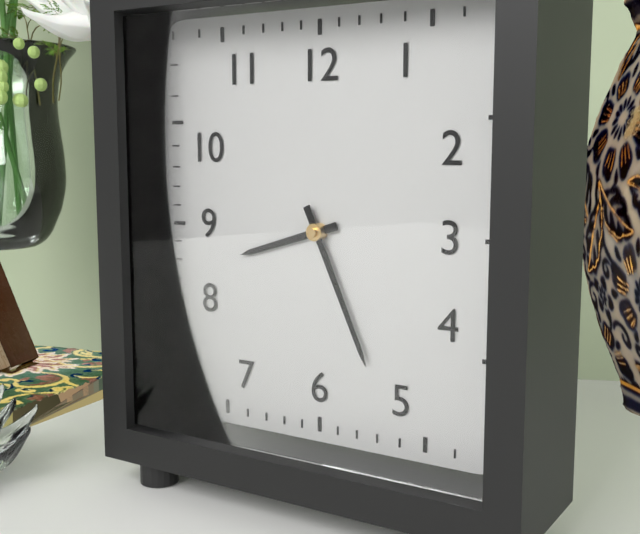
8.26
